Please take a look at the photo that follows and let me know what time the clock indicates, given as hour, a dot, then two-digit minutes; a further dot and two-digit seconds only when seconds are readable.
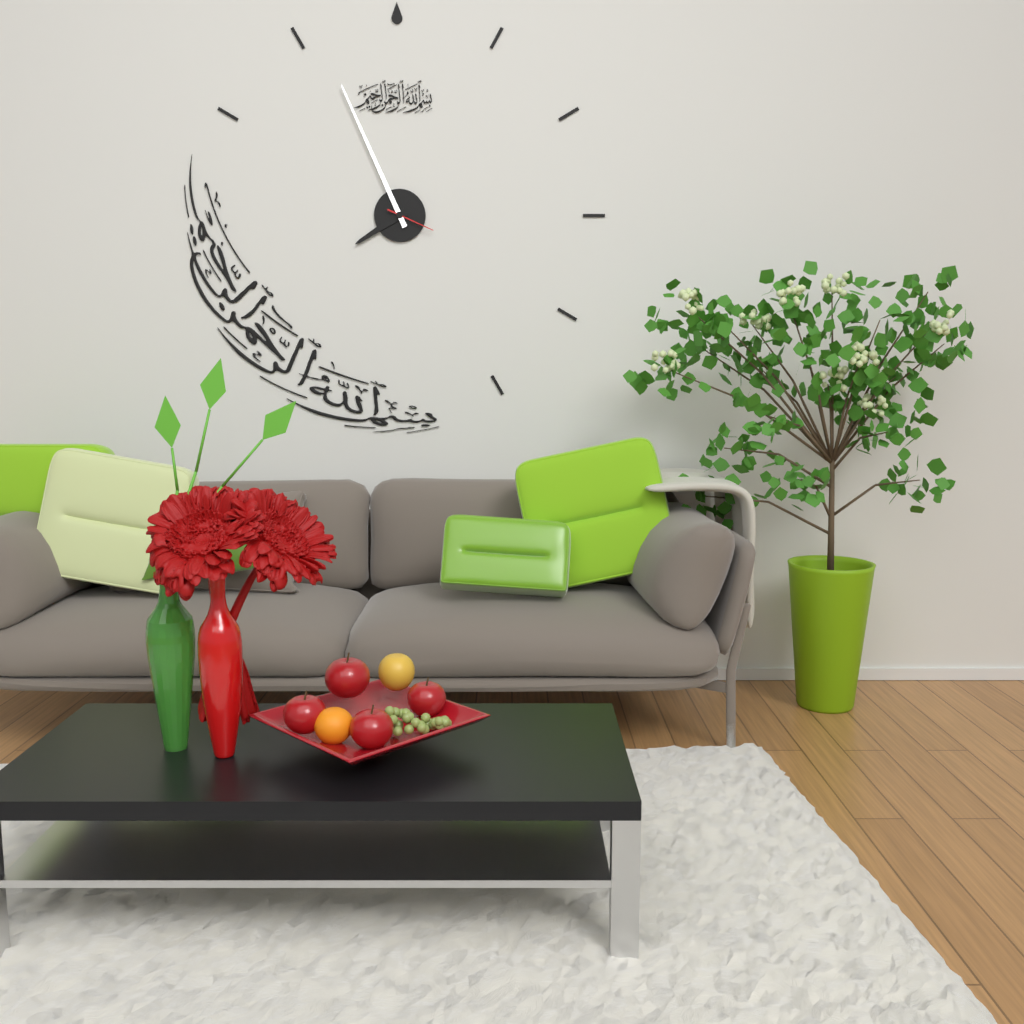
7.56
